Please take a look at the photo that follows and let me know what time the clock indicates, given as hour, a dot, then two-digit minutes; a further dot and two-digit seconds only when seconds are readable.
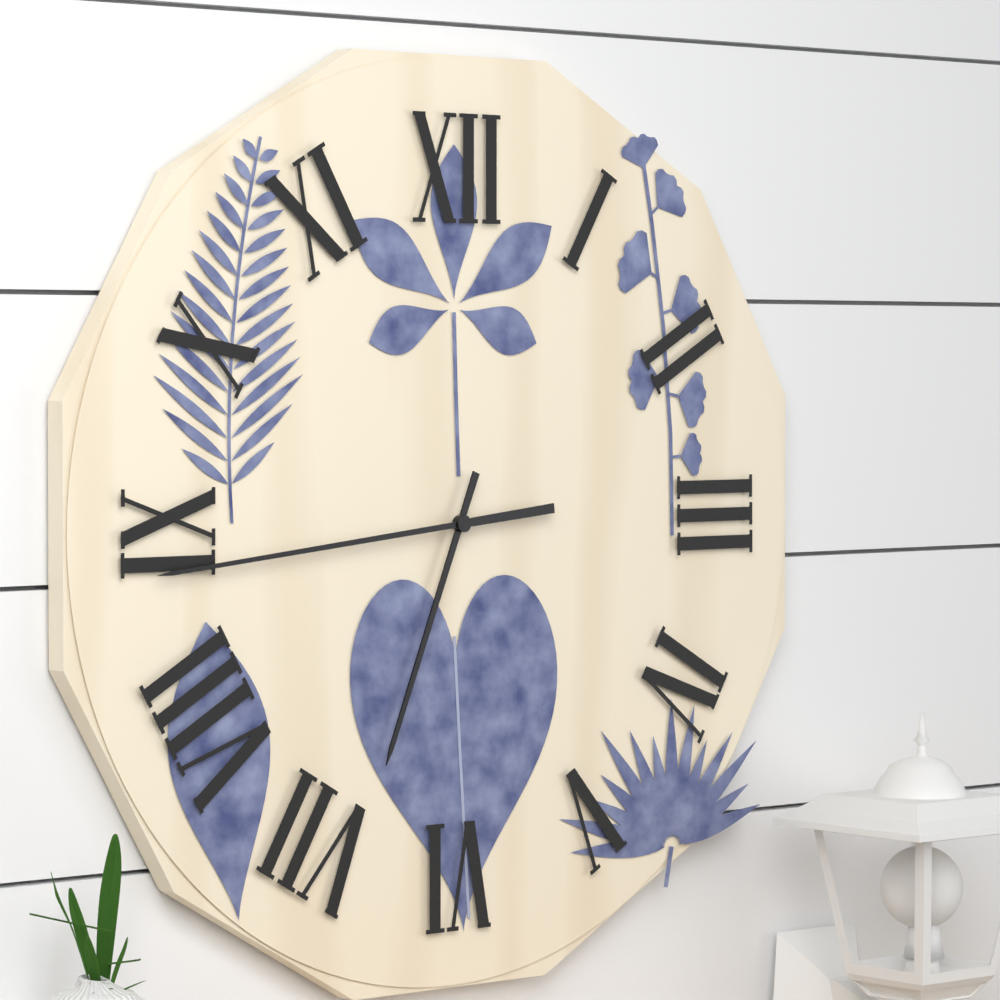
6.44
